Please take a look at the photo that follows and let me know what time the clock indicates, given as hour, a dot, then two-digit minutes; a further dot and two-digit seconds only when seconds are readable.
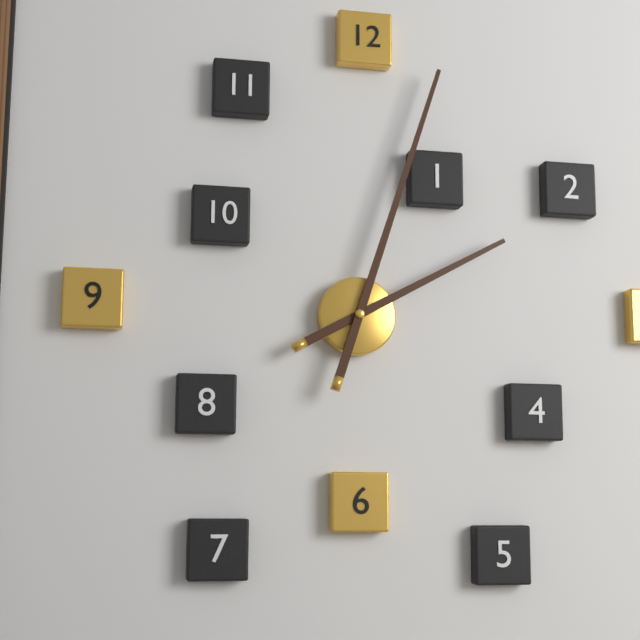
2.03
